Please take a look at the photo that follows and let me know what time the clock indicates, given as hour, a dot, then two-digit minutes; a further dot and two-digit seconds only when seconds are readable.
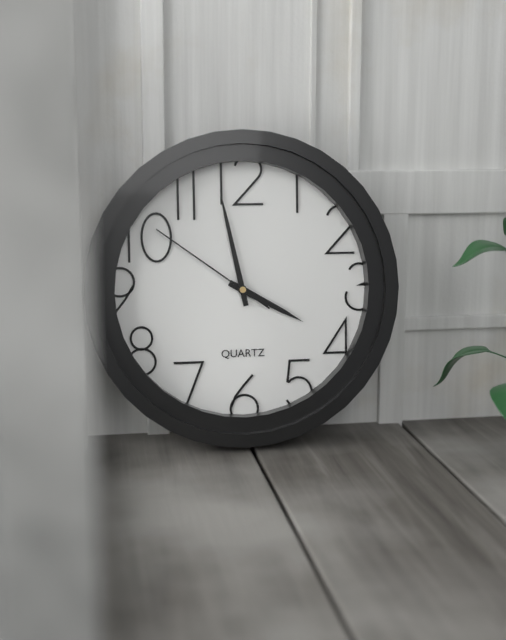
3.58.51
